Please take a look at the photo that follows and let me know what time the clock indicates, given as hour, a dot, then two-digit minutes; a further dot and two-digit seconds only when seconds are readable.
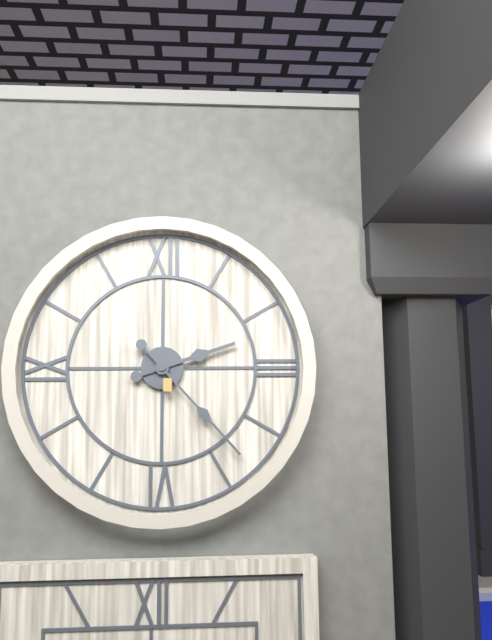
2.23
